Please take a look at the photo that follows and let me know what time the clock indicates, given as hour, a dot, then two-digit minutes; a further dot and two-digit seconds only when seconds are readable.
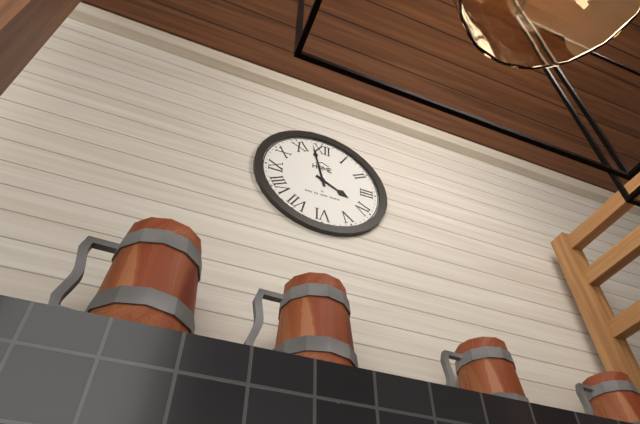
3.58
